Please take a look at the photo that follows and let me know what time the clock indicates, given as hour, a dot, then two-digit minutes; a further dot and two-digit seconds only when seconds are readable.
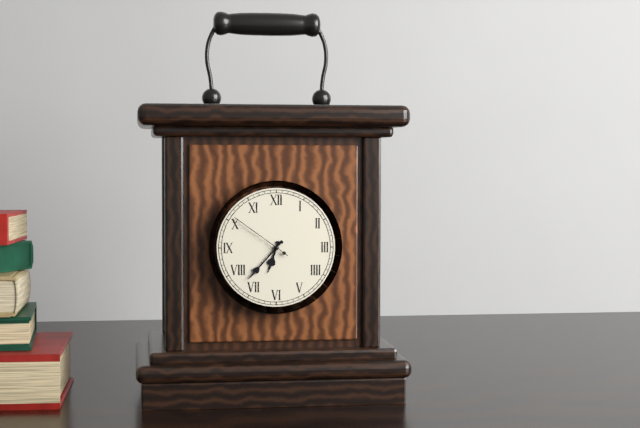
6.37.51
